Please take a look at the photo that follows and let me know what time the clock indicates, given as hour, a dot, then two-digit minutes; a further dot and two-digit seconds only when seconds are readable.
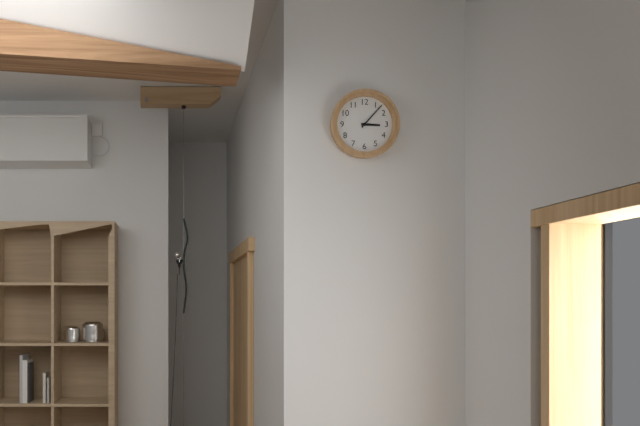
3.07
